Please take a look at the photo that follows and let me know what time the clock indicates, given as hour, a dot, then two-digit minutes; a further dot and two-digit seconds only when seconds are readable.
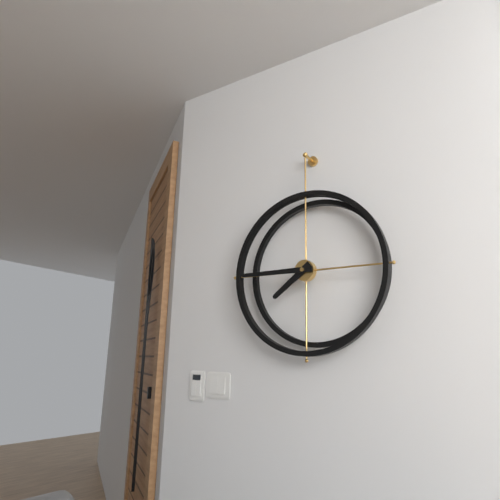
7.45
